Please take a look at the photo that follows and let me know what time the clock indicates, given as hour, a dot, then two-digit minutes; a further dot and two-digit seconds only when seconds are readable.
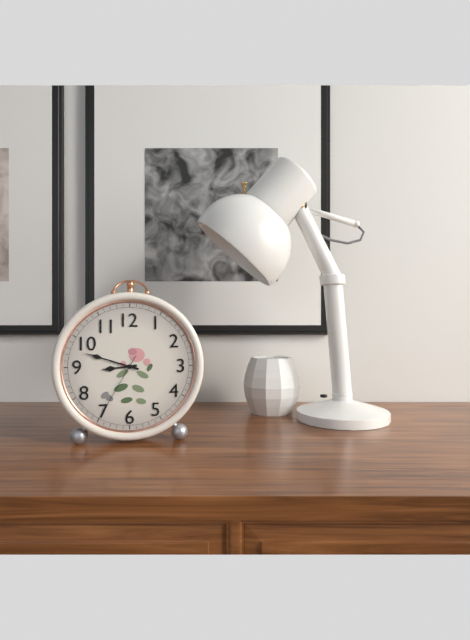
8.48.35
